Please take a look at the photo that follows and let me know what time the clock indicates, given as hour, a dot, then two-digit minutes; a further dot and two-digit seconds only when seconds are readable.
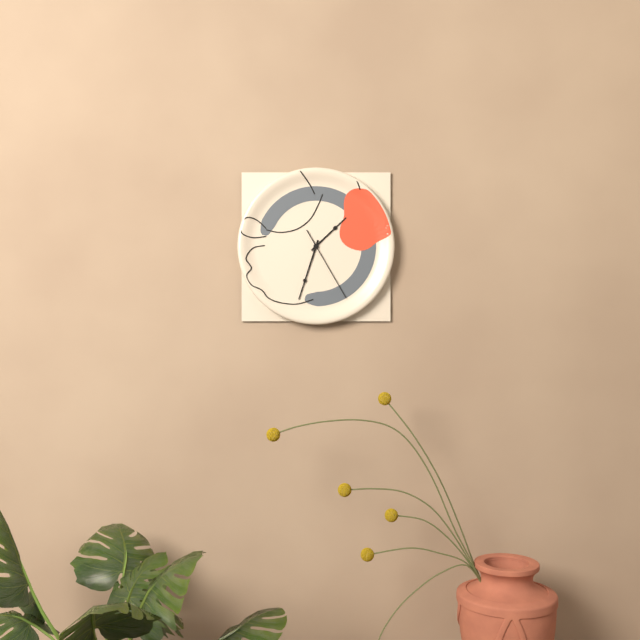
1.33.25
